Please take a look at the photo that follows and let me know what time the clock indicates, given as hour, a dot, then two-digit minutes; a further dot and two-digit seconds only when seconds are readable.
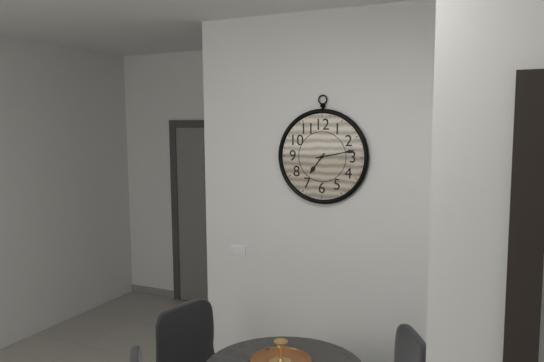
7.13
